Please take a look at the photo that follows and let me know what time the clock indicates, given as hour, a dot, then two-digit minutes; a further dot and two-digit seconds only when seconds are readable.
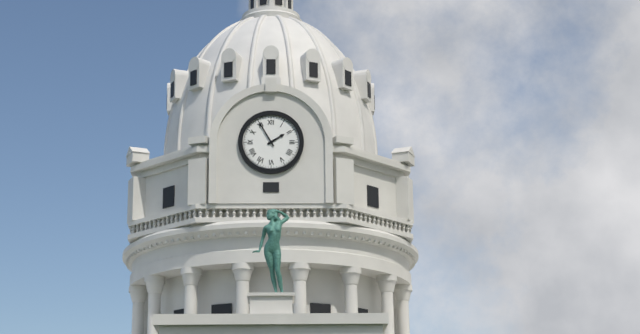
1.55
